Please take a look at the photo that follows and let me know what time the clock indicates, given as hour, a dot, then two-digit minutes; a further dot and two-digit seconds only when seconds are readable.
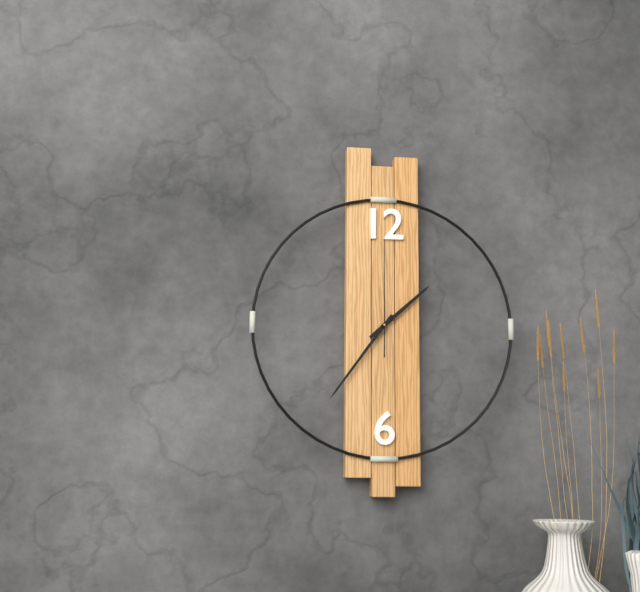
1.36.00
